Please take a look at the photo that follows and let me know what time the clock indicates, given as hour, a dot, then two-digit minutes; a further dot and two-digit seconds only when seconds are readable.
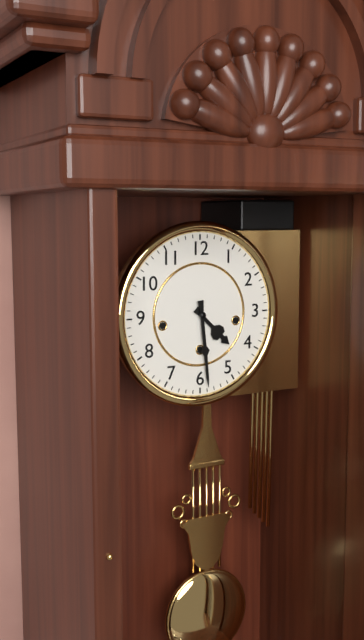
4.29
